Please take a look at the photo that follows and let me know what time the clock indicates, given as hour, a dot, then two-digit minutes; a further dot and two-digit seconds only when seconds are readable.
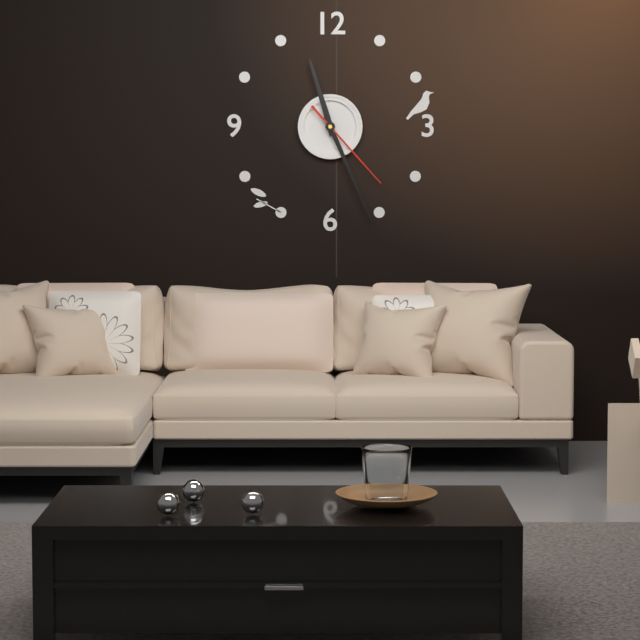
11.26.23
